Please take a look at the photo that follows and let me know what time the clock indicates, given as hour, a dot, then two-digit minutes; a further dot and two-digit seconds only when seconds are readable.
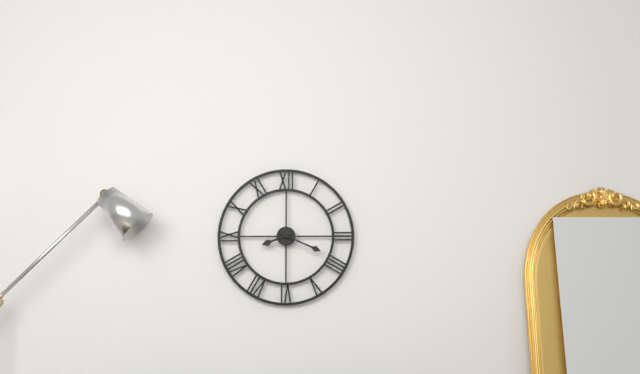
8.19
